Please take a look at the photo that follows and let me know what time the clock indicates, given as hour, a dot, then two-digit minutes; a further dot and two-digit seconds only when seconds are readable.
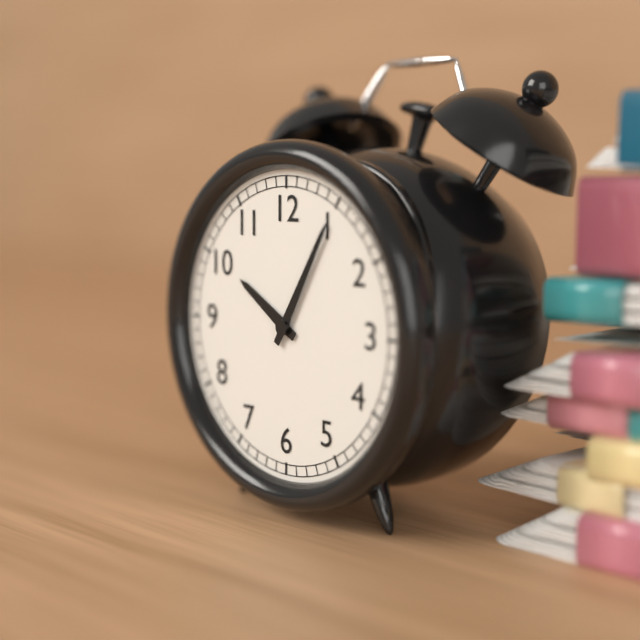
10.05
